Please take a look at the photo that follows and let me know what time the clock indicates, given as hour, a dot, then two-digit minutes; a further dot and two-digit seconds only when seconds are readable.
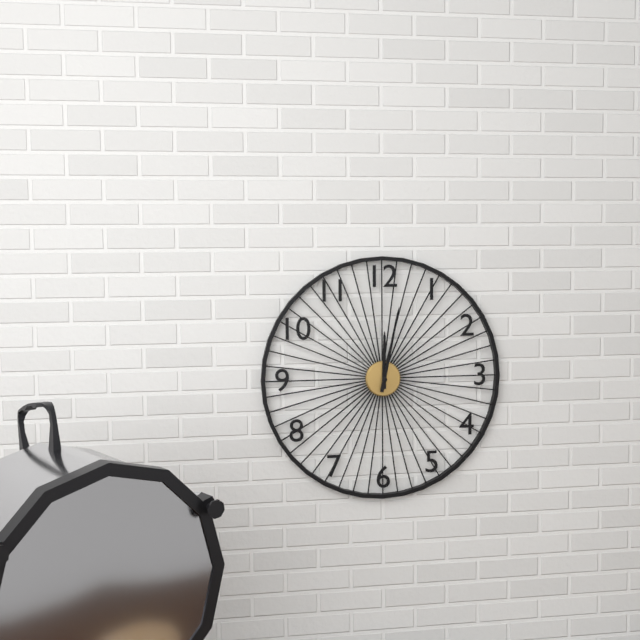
12.02
